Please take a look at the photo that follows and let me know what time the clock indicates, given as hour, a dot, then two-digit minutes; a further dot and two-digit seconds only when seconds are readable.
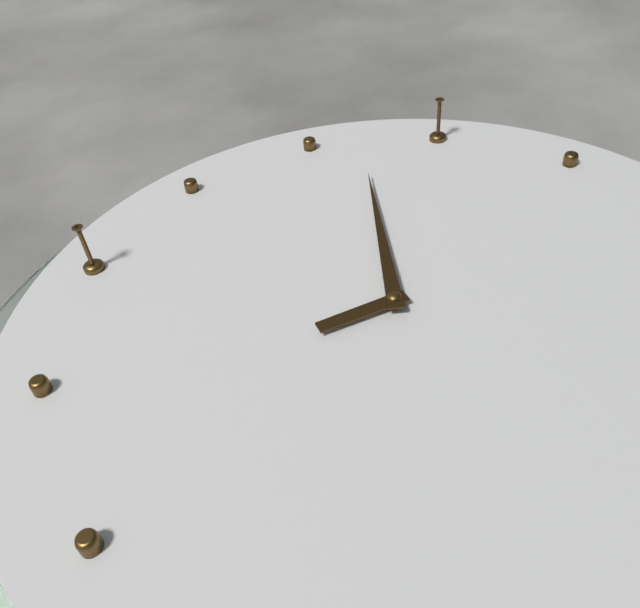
4.42
